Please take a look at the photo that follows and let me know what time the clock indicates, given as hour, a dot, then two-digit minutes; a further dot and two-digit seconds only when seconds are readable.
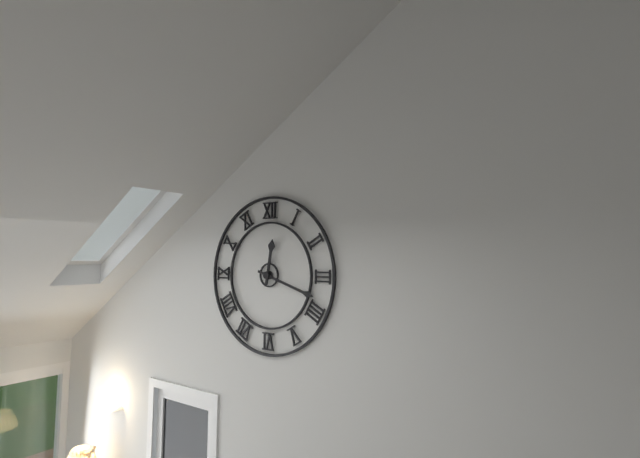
12.18
